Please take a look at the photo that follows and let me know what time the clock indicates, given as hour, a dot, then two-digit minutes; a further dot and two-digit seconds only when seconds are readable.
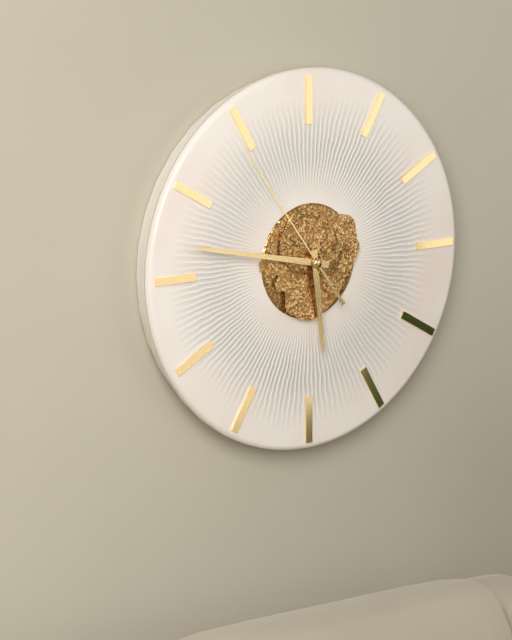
5.47.54
